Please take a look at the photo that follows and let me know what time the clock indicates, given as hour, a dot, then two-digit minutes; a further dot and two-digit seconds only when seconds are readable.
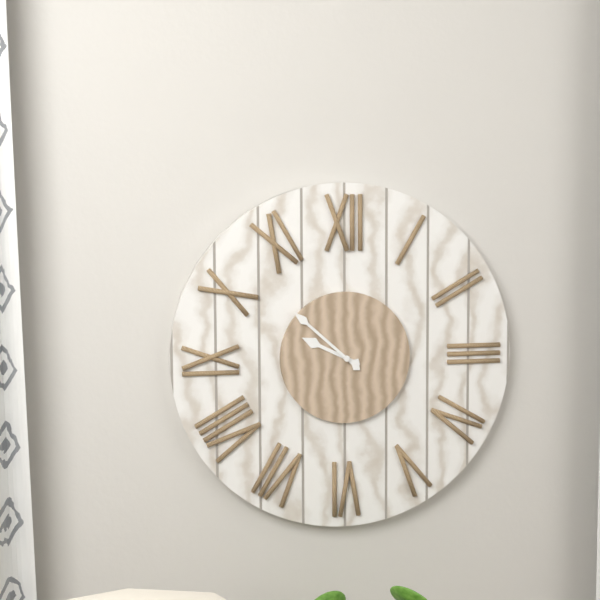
9.52
